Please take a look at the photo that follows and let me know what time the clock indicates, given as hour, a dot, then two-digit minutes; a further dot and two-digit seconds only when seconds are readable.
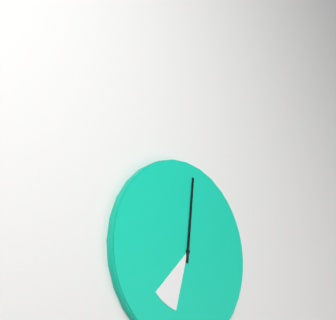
7.01
